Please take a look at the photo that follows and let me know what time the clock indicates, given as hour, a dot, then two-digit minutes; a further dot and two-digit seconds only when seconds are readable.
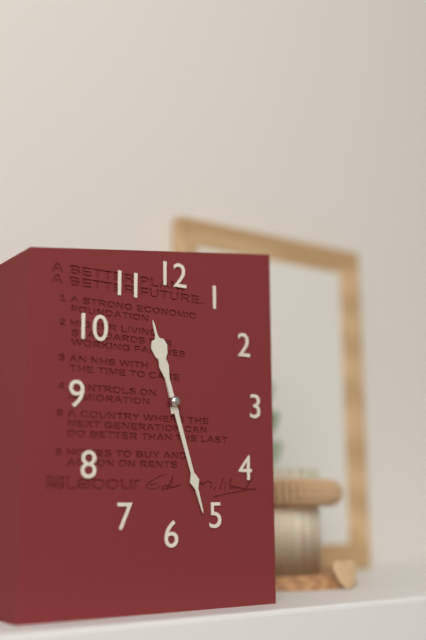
11.27
